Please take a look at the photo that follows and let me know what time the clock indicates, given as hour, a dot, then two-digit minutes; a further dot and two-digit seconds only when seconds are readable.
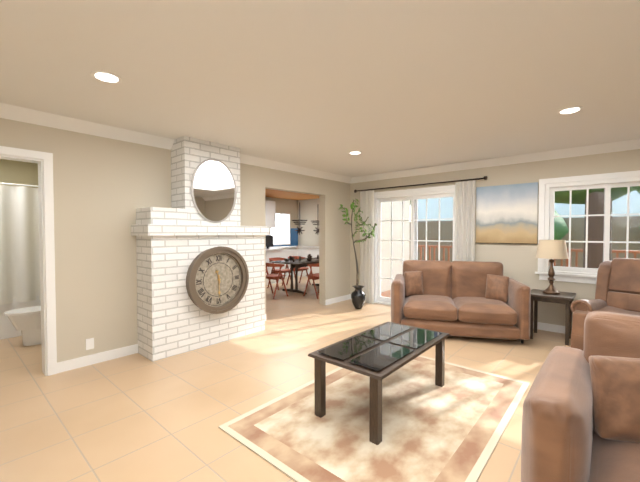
11.30
